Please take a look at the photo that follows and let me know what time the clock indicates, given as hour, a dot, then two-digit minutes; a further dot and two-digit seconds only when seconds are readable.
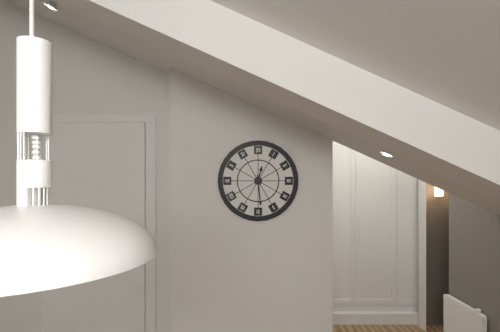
12.29
